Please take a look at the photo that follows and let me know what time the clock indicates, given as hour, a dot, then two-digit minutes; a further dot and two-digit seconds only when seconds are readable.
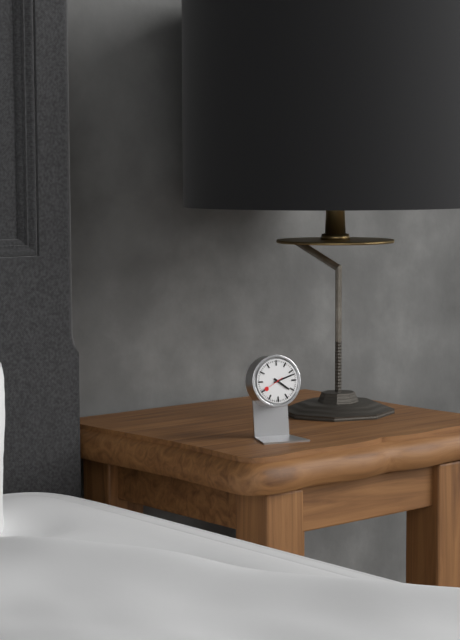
4.12
